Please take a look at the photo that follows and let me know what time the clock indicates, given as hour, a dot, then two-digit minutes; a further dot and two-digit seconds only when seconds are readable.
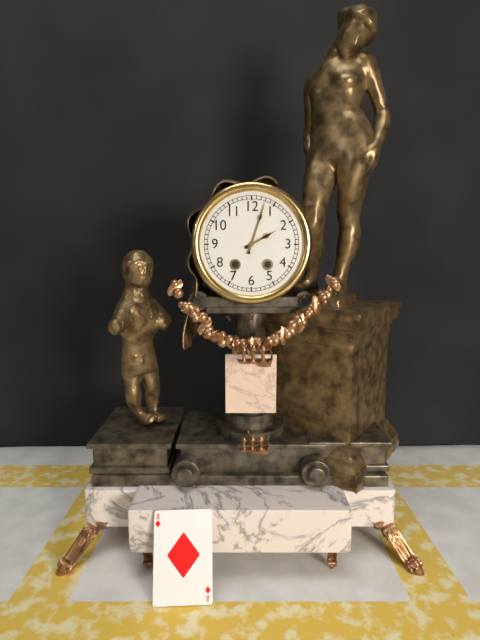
2.03
